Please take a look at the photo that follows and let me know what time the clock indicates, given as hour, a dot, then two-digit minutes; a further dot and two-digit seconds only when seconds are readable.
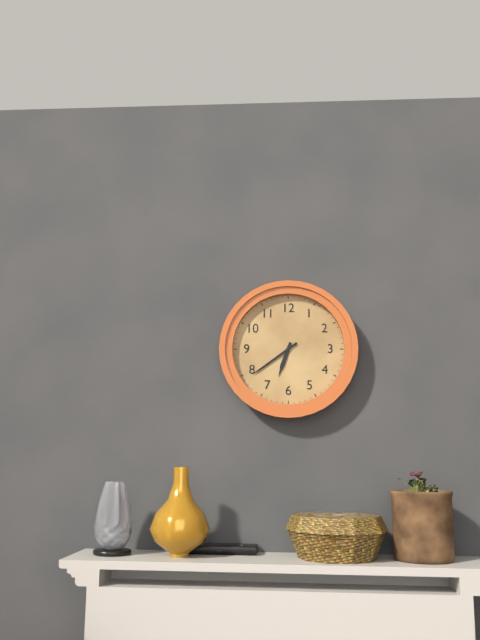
6.39
